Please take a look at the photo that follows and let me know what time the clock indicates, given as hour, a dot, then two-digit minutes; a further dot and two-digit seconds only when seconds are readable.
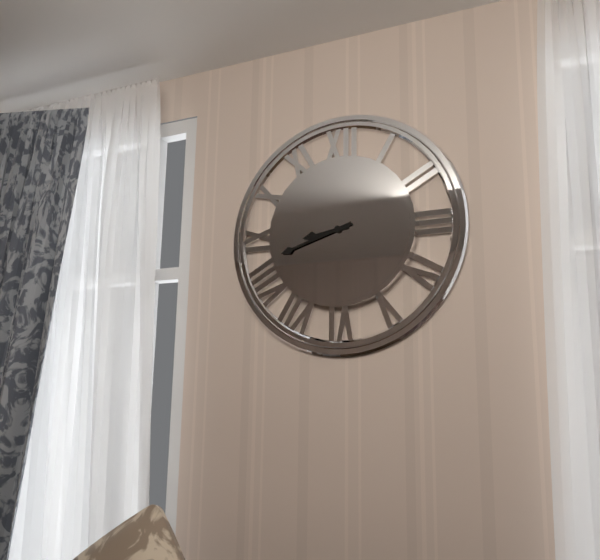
8.42
